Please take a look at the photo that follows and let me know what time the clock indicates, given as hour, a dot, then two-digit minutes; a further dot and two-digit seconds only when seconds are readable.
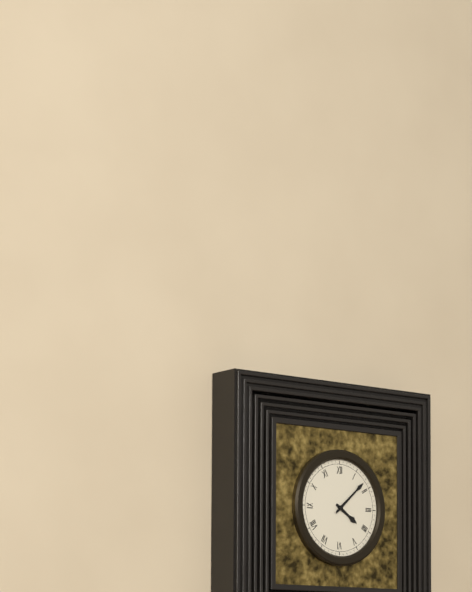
4.08
